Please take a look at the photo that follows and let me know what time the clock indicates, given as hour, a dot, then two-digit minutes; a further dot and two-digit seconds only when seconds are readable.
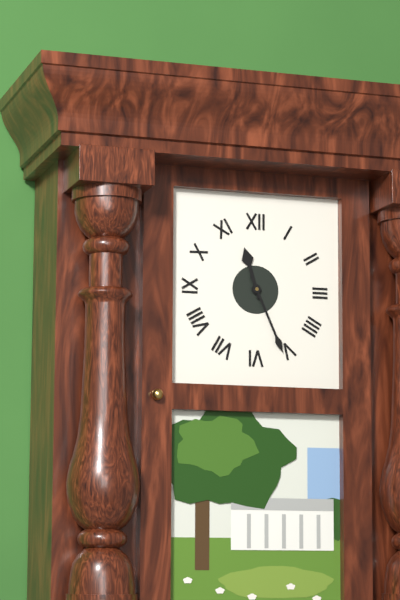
11.26
